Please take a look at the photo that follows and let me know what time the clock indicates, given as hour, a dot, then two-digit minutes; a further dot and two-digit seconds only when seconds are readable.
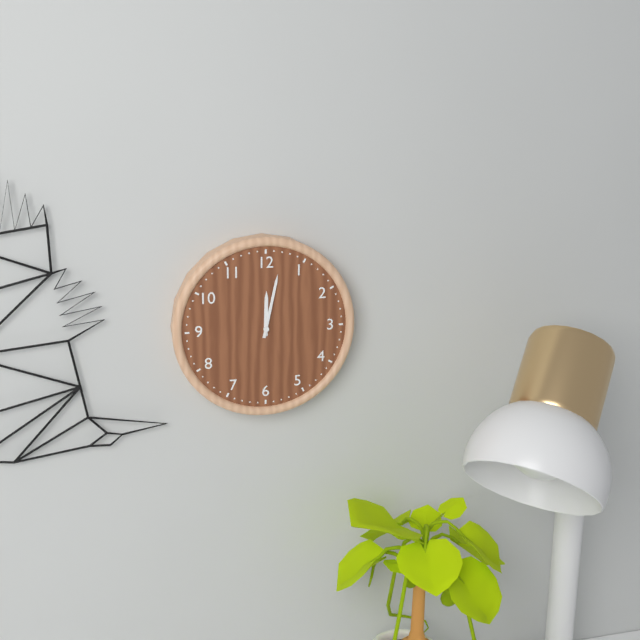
12.02
